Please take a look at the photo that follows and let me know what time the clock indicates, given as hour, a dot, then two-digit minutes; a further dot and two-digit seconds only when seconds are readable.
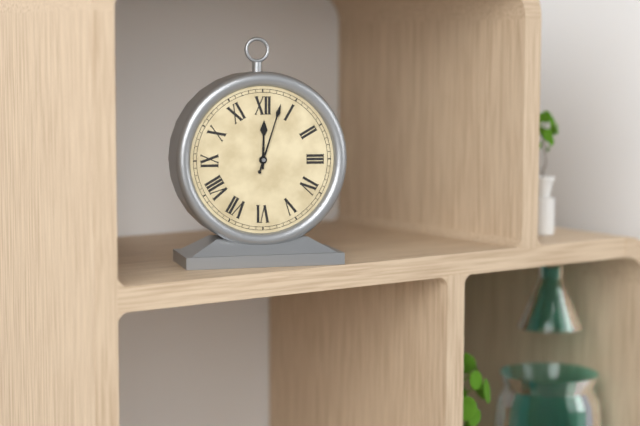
12.03
